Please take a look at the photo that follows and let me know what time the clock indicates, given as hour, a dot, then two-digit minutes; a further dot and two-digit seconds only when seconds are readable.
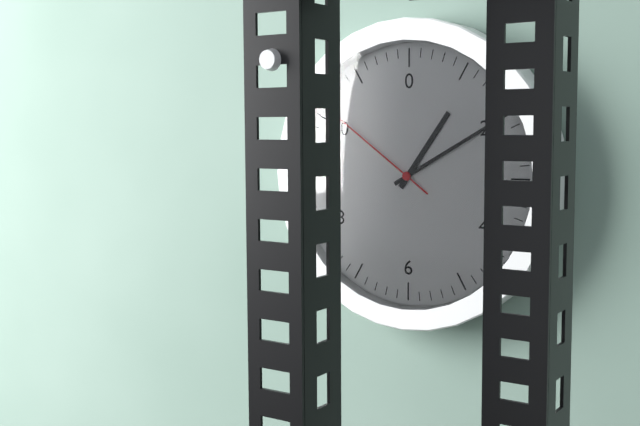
1.10.51
